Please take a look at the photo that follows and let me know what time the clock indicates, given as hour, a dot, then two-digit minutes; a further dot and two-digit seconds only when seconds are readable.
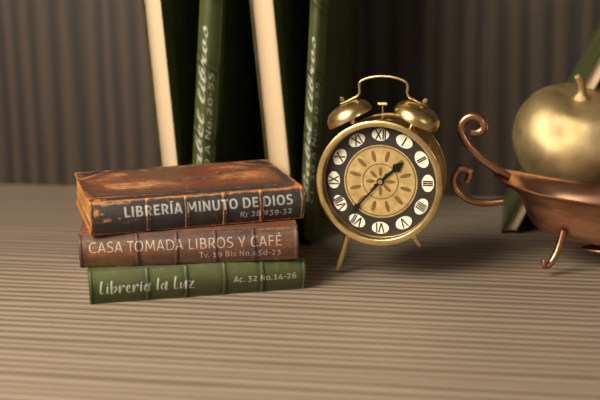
1.37
